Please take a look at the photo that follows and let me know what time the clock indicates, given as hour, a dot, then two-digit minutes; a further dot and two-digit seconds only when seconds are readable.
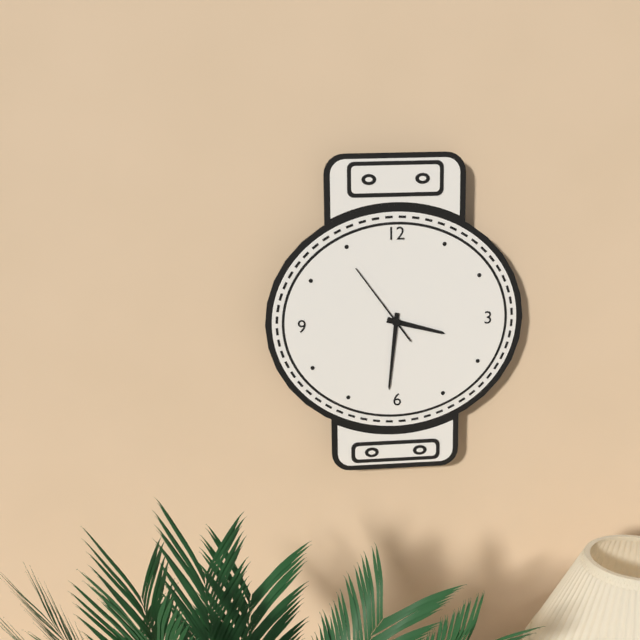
3.31.54
